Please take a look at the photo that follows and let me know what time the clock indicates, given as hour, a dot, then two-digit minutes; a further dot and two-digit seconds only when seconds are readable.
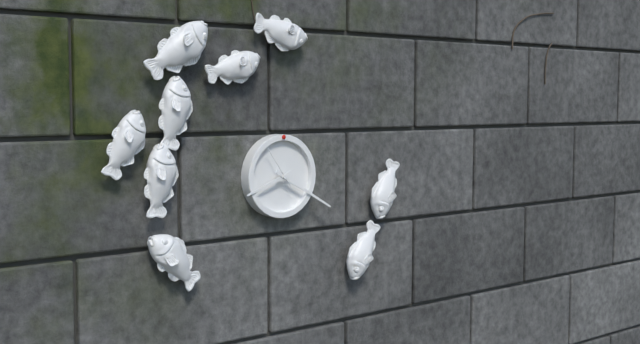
8.20
